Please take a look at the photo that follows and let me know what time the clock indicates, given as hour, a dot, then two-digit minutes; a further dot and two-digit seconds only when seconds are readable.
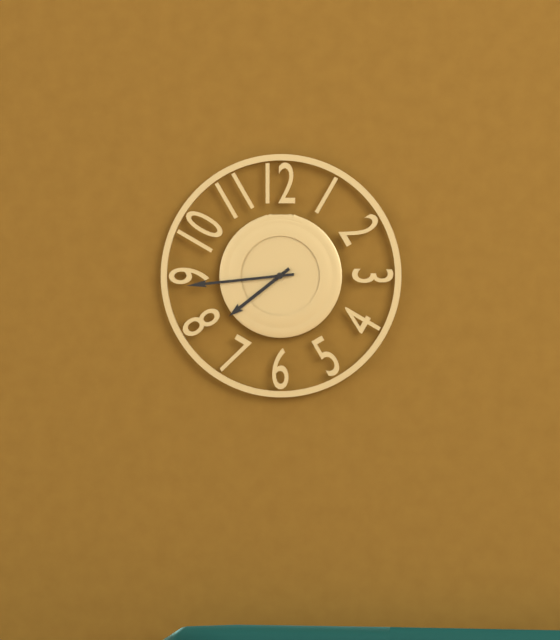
7.44
